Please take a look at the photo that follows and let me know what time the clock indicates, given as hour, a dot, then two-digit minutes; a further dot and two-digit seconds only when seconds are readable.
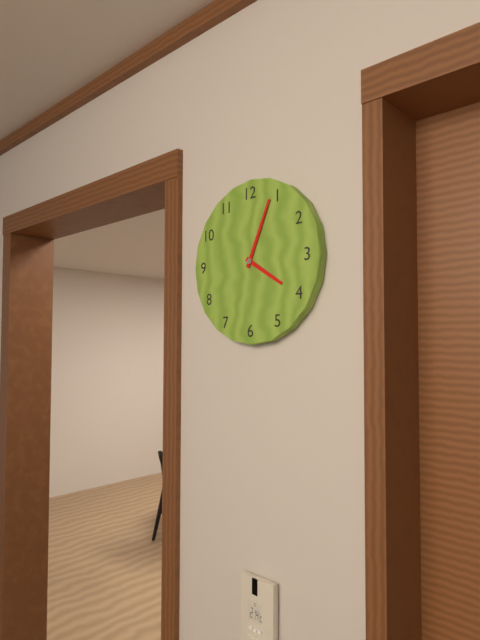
4.04
